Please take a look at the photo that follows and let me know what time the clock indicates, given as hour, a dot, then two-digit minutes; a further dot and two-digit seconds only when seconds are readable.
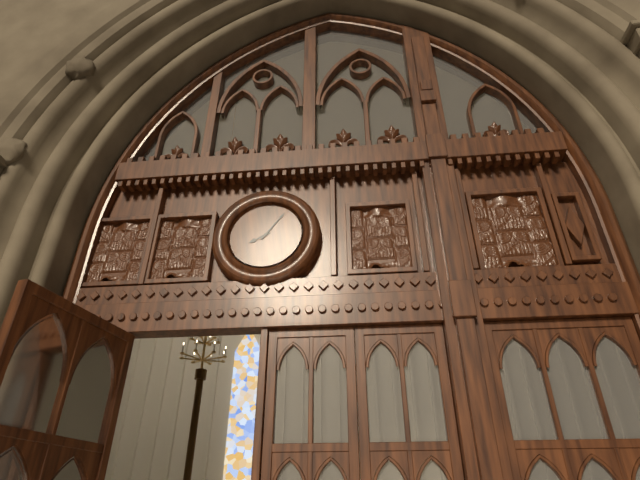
8.06
